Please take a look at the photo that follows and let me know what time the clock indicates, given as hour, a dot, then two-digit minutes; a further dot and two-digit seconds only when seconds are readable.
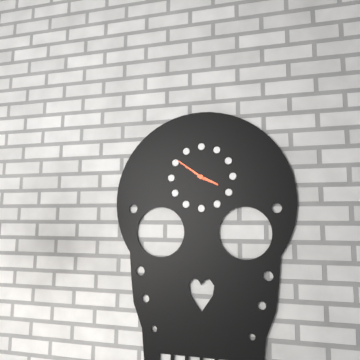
3.51
